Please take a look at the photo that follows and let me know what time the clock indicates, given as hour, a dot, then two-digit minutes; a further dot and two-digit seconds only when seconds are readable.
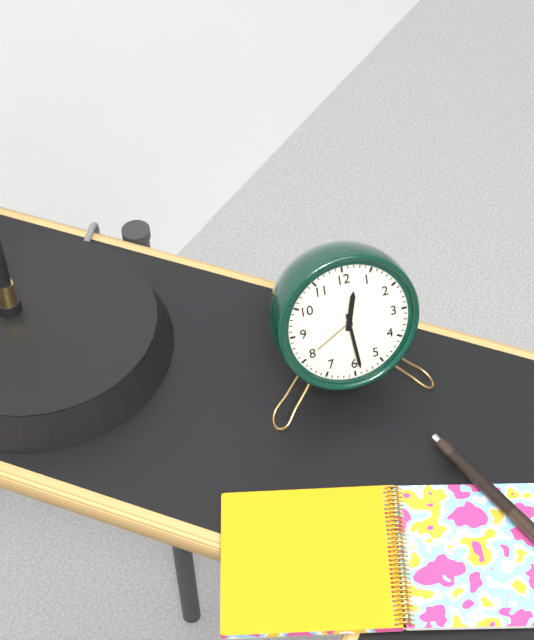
12.29
